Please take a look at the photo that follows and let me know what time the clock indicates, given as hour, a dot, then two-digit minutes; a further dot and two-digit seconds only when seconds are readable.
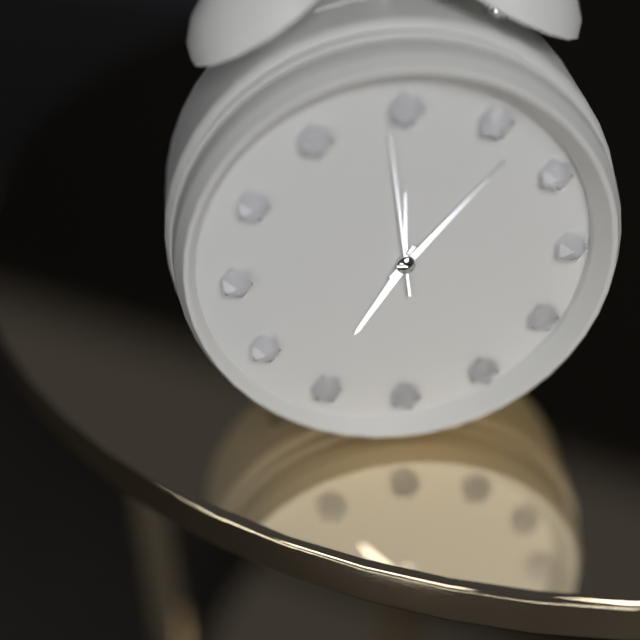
7.07.59
